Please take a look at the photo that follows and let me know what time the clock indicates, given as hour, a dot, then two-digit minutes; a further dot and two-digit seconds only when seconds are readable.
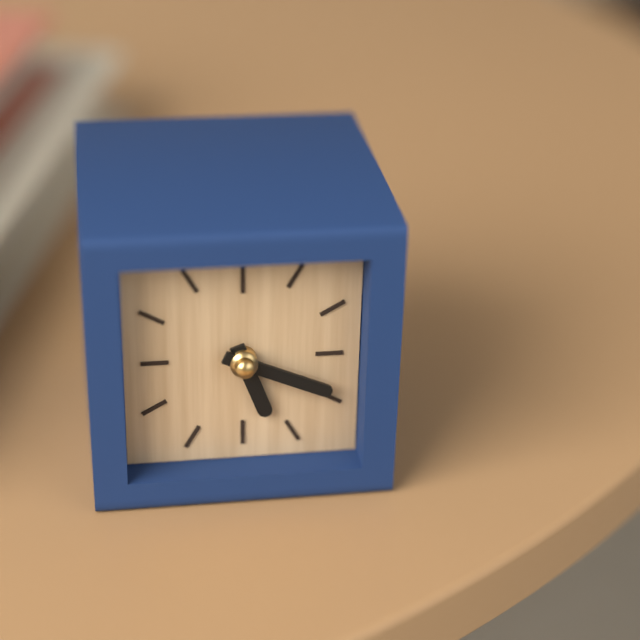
5.19
